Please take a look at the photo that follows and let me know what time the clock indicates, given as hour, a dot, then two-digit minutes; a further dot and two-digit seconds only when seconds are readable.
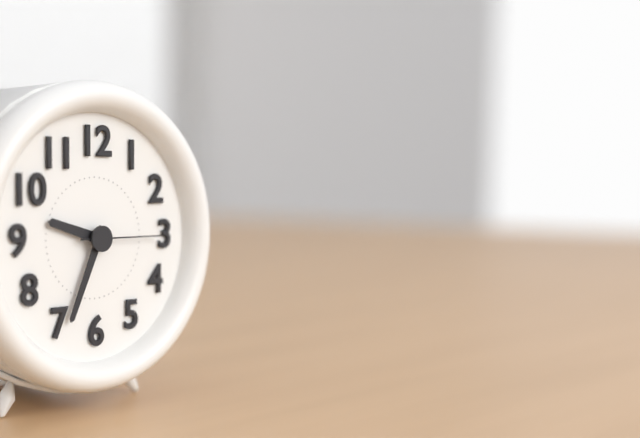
9.34.15
